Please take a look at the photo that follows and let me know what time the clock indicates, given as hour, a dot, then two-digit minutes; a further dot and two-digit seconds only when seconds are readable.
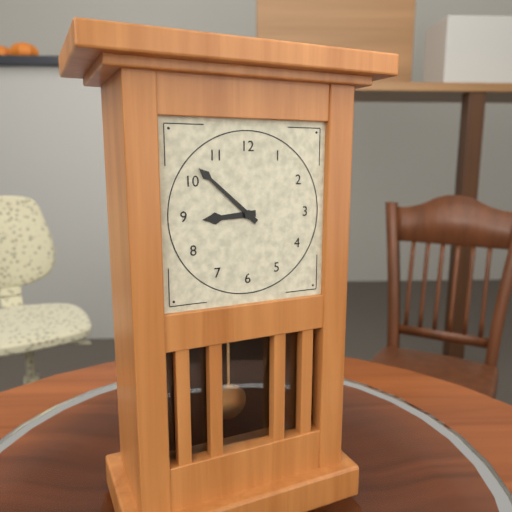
8.52
